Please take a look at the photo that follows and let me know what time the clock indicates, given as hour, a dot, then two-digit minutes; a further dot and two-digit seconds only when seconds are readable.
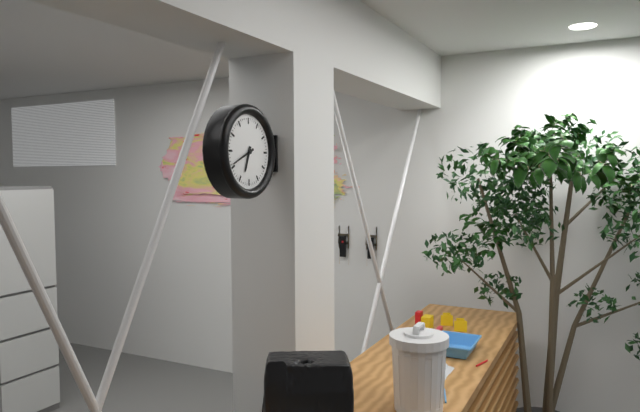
6.41
